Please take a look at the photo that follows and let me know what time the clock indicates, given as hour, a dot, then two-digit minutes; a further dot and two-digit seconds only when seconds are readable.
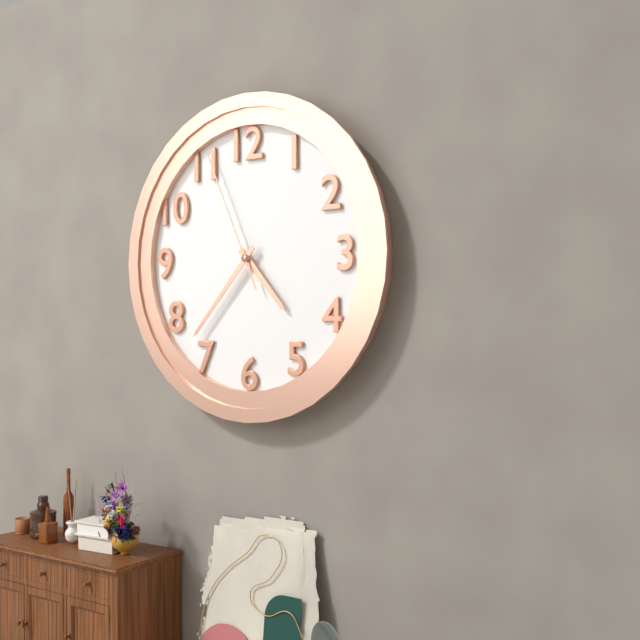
4.37.56
